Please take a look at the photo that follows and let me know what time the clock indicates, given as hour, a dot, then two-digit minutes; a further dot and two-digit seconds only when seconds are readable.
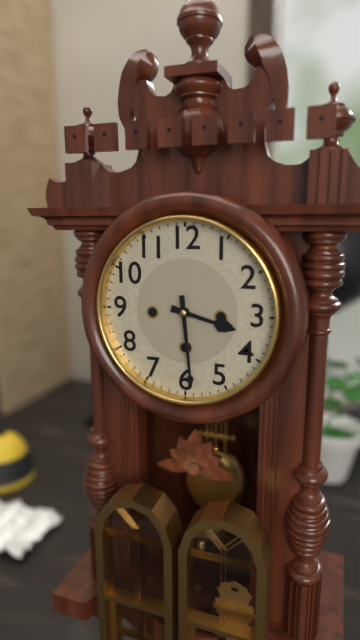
3.29
